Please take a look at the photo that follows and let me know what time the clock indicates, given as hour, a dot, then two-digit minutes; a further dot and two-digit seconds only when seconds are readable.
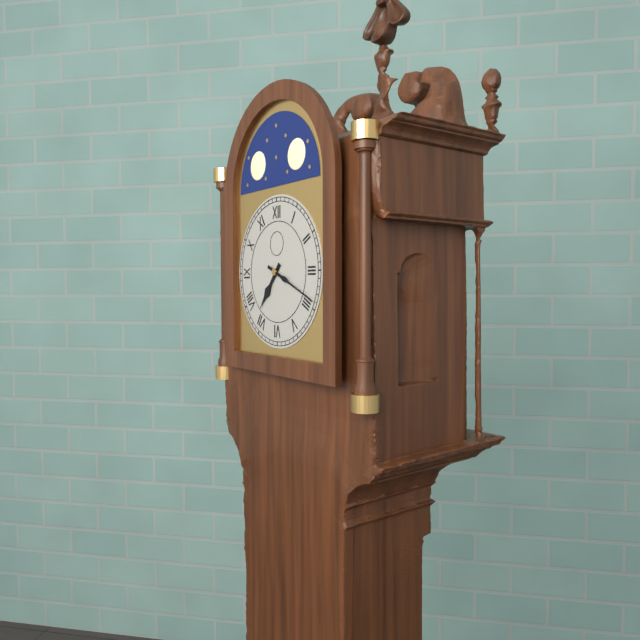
7.19
